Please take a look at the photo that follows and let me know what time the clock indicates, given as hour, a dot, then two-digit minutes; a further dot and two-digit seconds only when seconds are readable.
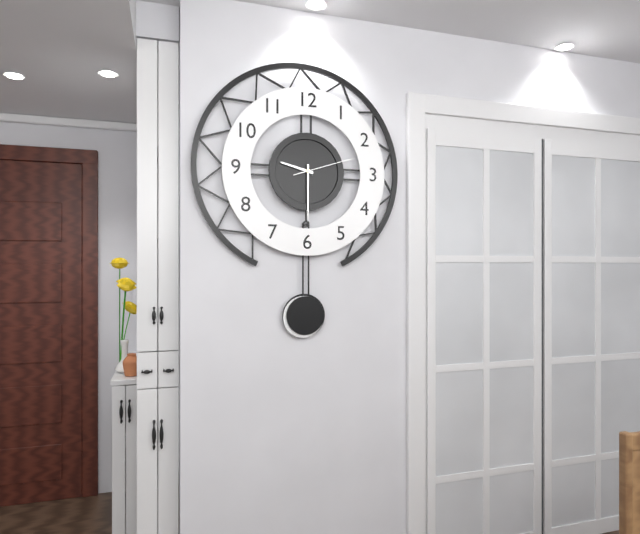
9.30.12
